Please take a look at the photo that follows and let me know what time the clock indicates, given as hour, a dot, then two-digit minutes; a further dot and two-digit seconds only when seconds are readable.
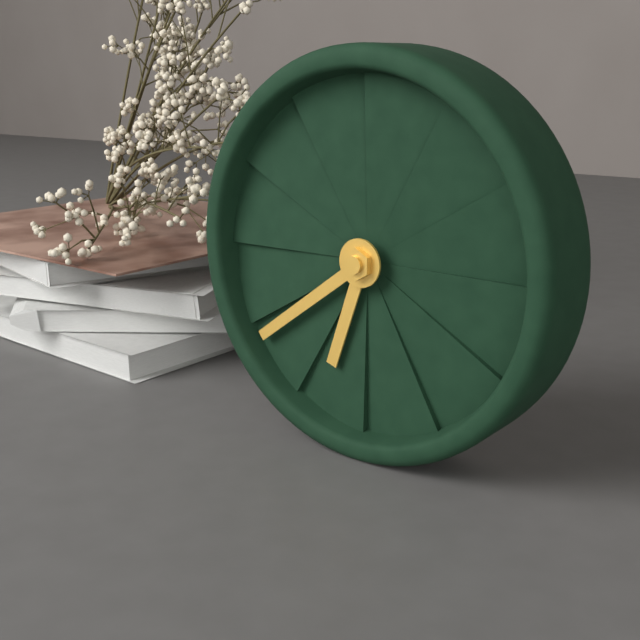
6.39
